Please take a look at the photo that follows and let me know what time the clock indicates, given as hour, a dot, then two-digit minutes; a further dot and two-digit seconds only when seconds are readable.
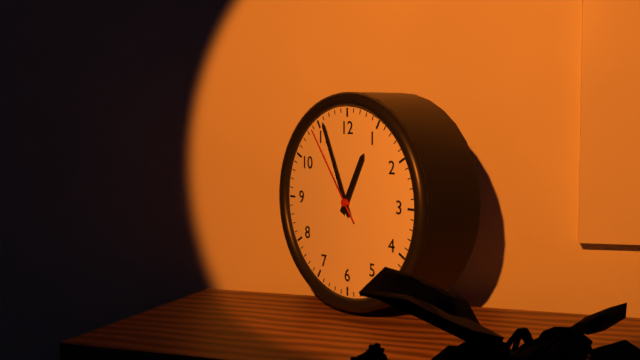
12.56.54
